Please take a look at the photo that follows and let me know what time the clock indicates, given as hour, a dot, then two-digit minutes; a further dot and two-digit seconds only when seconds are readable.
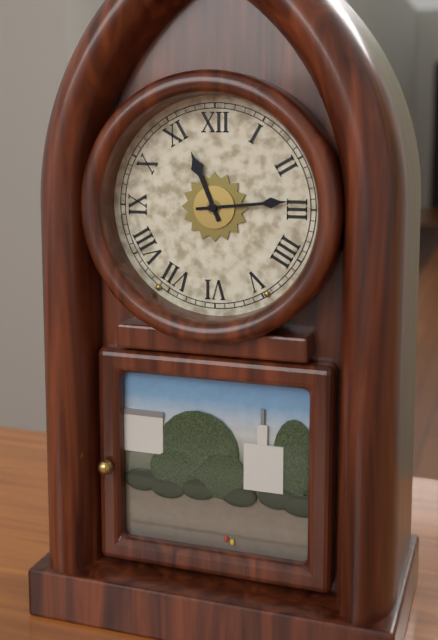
11.14
